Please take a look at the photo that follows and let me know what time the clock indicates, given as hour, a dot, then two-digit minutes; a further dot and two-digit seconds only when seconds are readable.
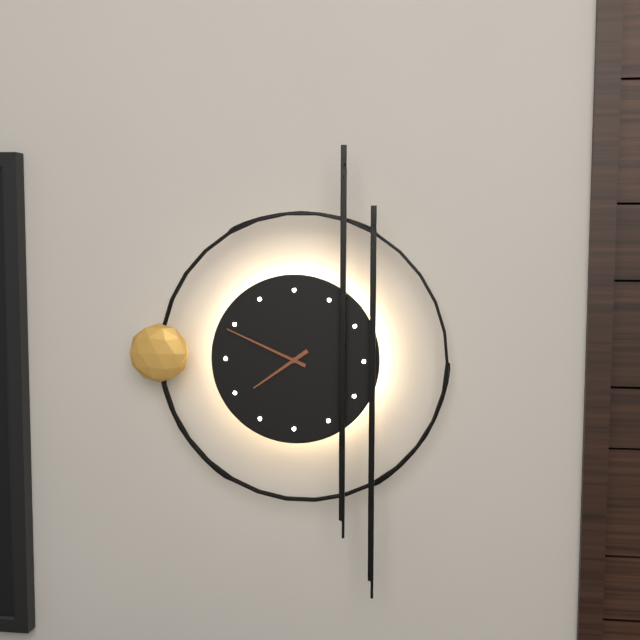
7.49
